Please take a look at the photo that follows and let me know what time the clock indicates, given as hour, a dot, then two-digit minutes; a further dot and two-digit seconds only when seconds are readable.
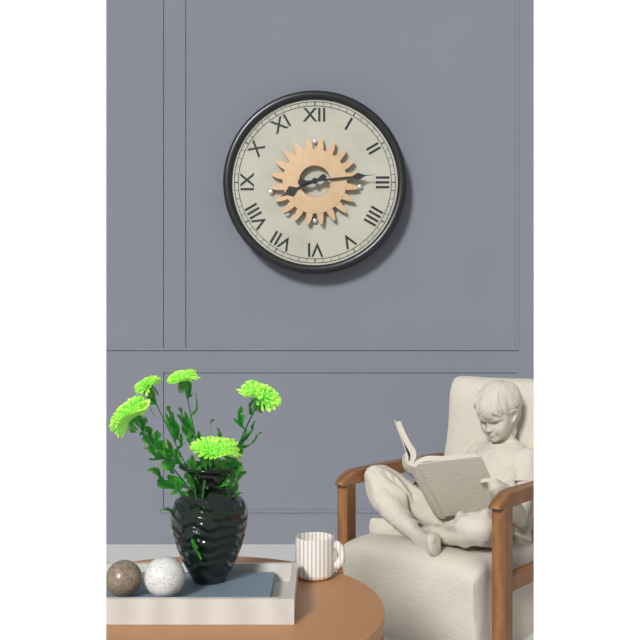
8.14
